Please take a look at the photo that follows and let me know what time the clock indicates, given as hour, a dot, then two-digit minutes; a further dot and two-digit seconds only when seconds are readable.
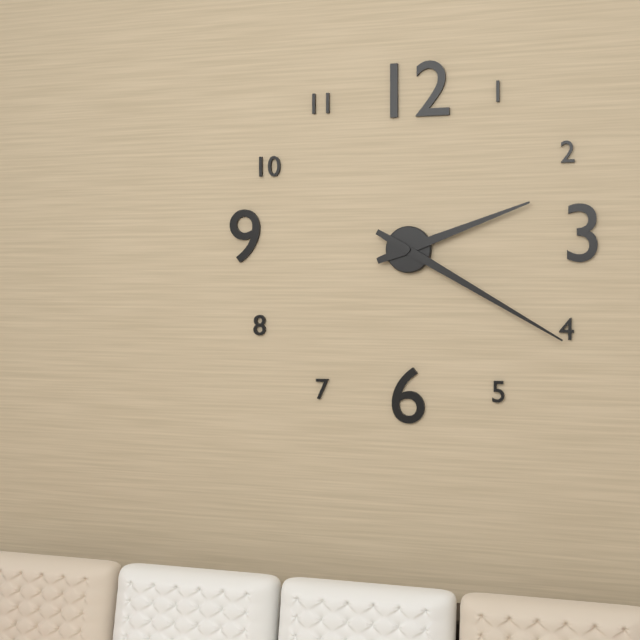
2.20
